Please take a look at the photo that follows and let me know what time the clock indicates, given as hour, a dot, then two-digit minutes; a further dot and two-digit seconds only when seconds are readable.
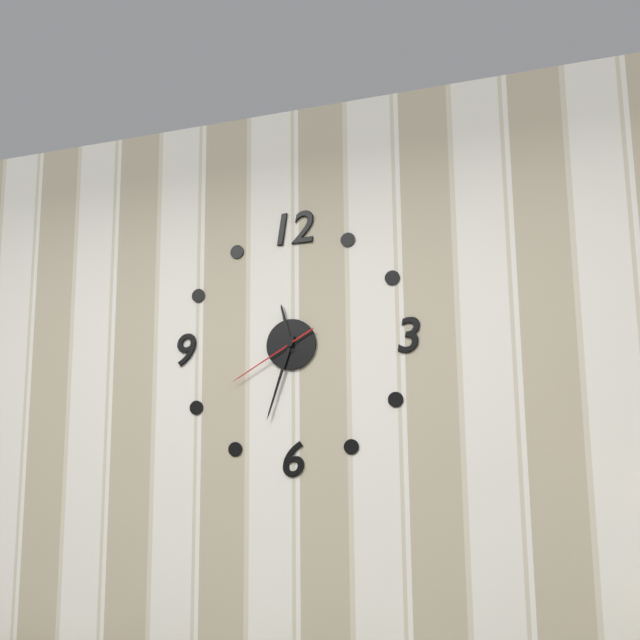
11.33.40
